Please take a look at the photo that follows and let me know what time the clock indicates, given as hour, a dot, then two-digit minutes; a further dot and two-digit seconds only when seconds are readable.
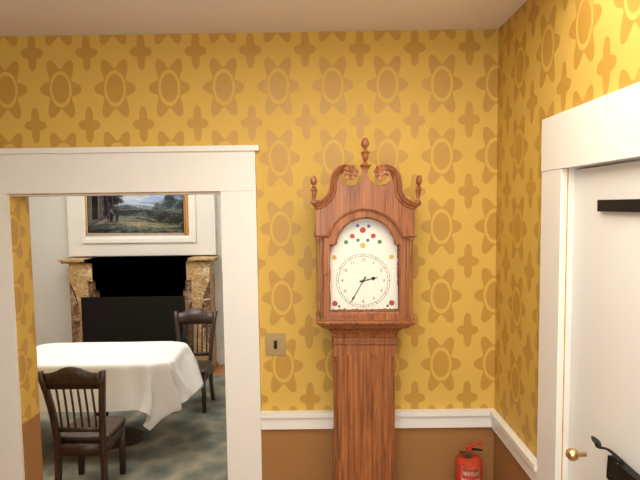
2.35
